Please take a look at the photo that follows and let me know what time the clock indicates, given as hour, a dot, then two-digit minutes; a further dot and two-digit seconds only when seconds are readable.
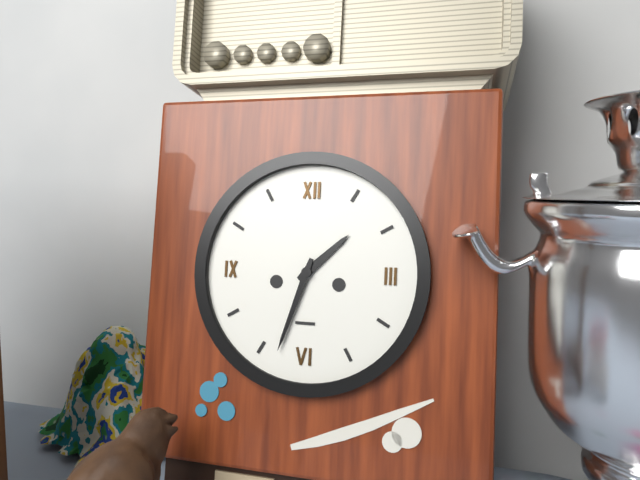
1.33
